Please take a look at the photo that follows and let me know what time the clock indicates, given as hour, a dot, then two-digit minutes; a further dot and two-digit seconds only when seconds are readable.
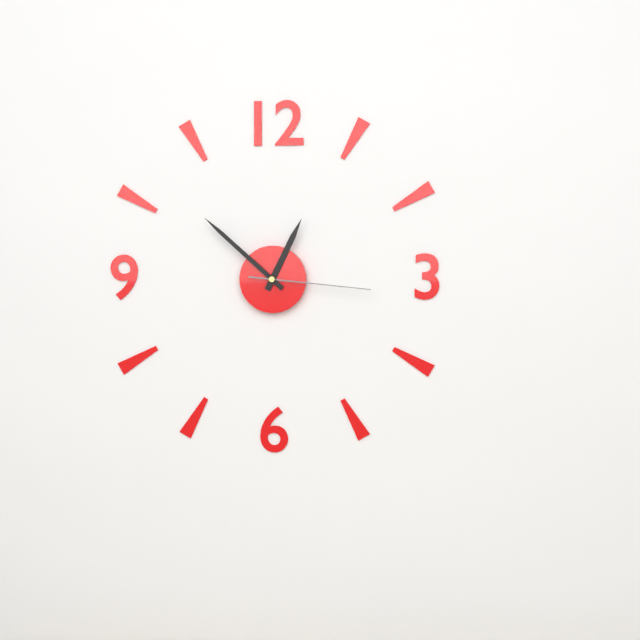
12.52.16
